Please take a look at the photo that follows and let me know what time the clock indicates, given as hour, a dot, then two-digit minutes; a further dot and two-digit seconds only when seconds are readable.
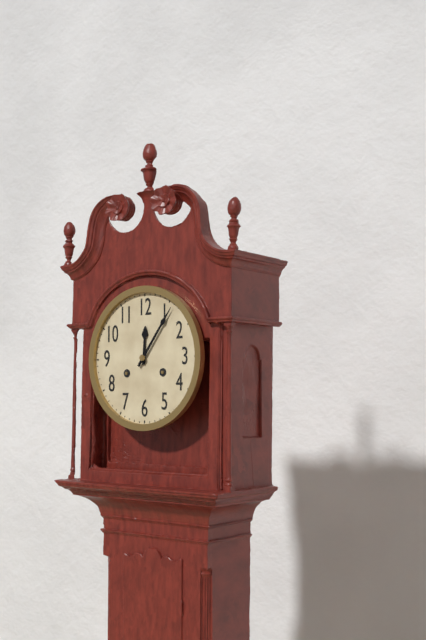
12.06
